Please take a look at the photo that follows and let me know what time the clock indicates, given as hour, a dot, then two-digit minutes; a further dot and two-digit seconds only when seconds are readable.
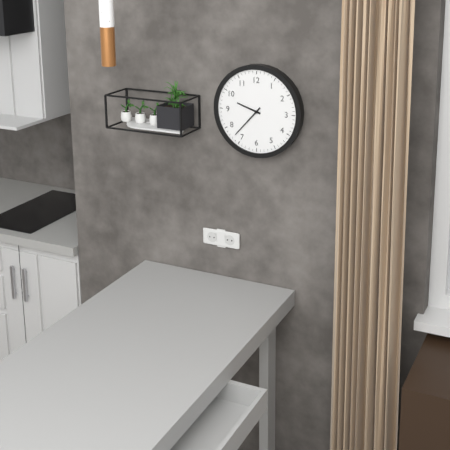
9.37
